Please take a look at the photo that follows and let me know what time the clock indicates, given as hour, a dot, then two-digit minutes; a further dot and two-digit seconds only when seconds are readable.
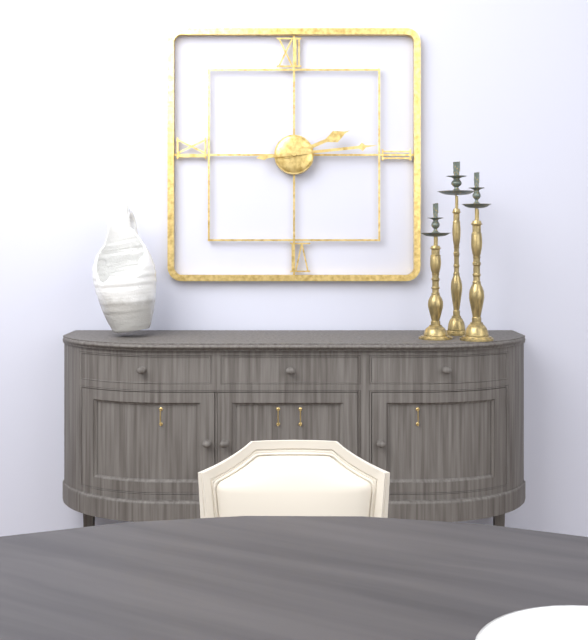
2.14
